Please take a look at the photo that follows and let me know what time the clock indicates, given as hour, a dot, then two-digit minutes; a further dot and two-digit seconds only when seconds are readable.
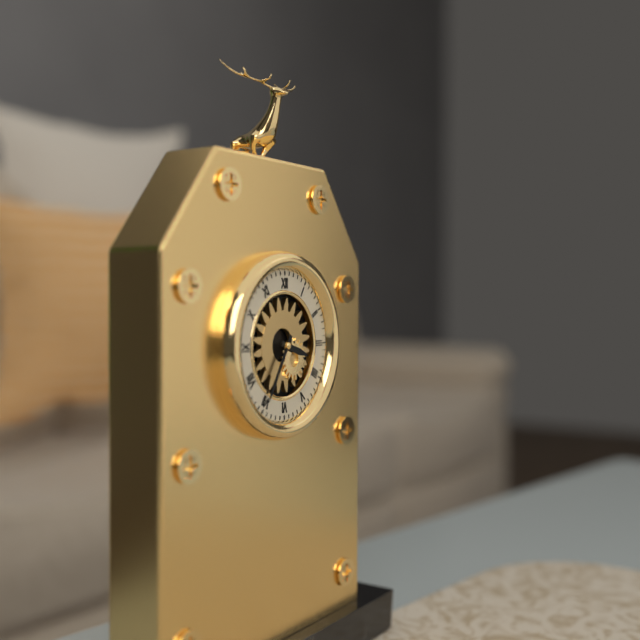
3.35
